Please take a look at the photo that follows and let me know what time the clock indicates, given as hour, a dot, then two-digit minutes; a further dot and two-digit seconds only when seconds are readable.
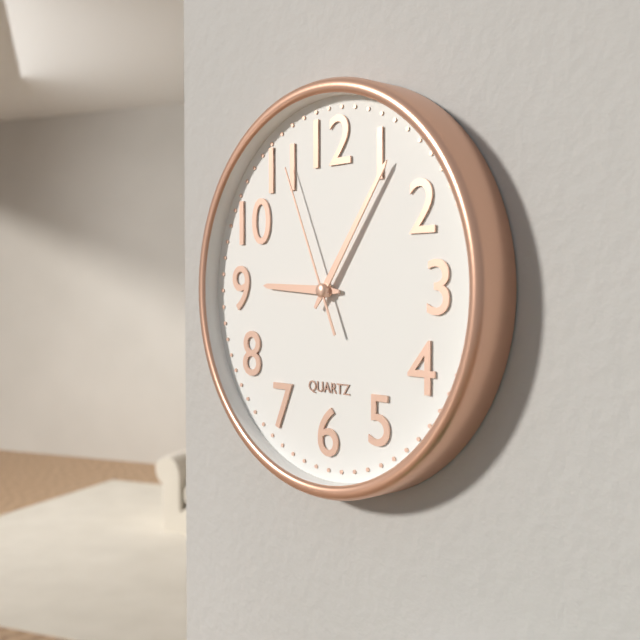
9.06.56
